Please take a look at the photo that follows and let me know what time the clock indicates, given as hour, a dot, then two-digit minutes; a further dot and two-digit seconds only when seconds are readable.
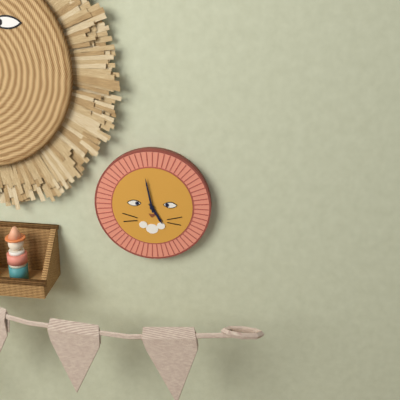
4.58
